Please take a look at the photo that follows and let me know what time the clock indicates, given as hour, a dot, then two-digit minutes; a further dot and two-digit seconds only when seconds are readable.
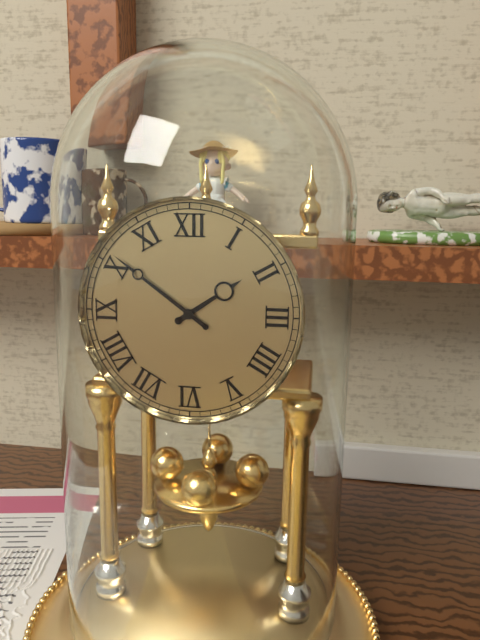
1.51
